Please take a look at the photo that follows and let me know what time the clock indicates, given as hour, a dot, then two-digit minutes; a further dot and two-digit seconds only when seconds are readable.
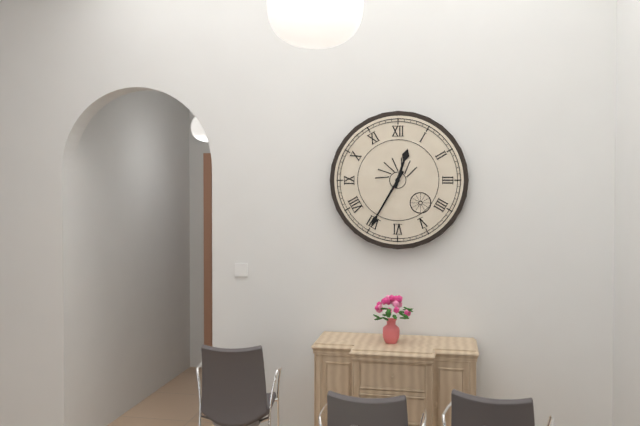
12.35
